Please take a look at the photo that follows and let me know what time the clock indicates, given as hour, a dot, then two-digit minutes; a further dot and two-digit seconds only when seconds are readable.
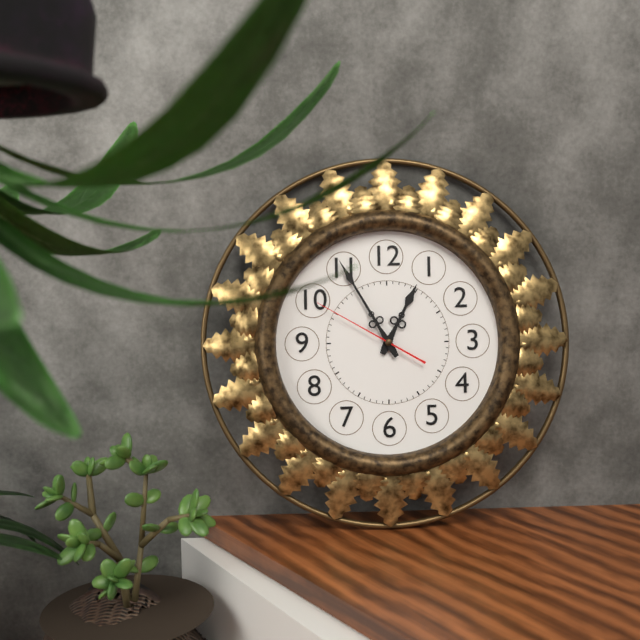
12.55.50
